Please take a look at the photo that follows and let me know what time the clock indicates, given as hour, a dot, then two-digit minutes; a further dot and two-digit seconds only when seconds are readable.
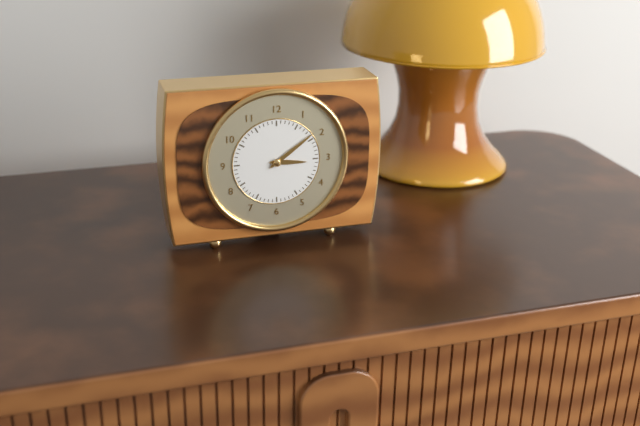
3.09
